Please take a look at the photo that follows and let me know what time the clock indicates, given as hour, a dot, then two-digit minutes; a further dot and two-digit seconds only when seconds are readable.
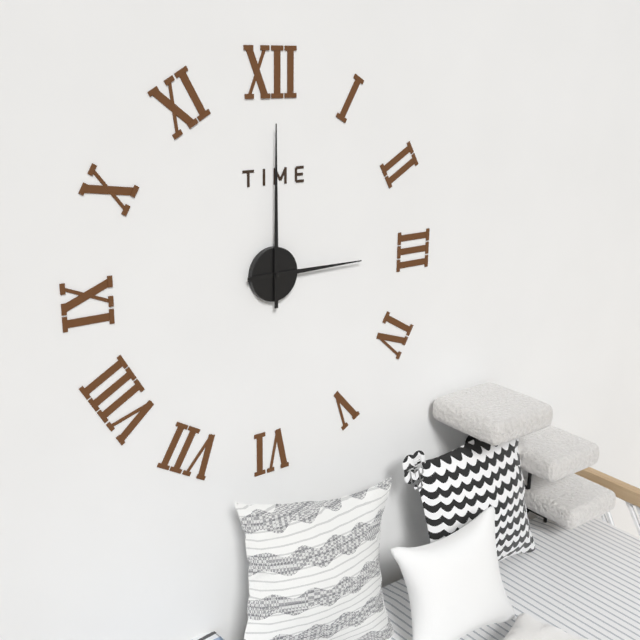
3.00
